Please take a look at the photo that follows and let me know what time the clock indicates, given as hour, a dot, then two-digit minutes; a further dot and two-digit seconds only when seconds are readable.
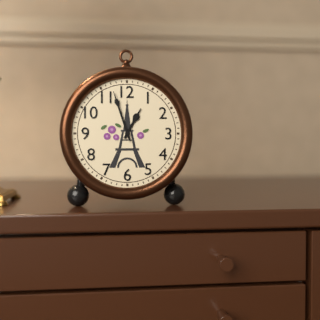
12.57
